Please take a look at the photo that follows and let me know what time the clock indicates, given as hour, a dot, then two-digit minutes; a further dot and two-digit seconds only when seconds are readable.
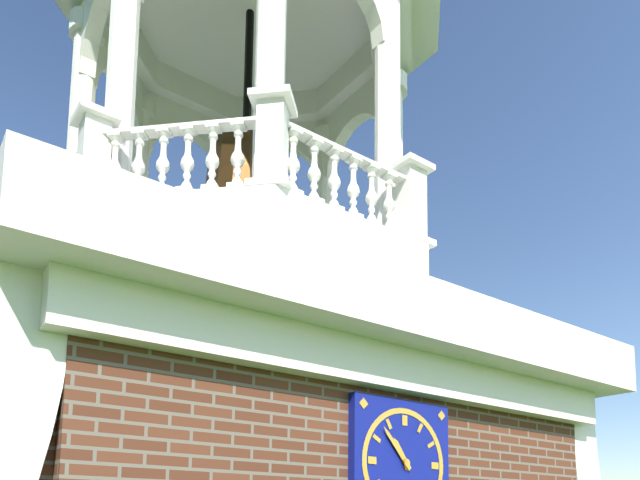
10.53
